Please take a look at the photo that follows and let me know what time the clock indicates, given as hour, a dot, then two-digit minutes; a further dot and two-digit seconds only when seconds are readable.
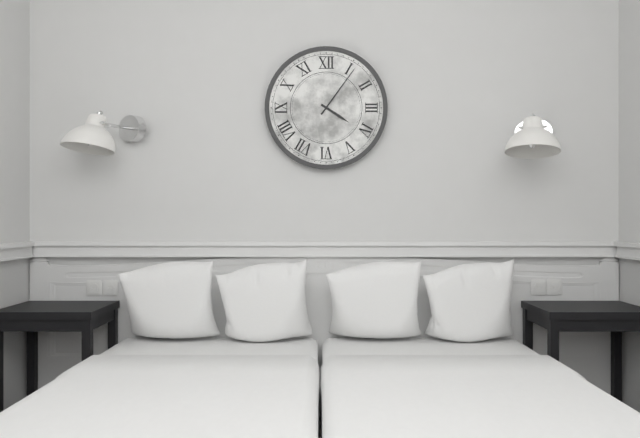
4.06
